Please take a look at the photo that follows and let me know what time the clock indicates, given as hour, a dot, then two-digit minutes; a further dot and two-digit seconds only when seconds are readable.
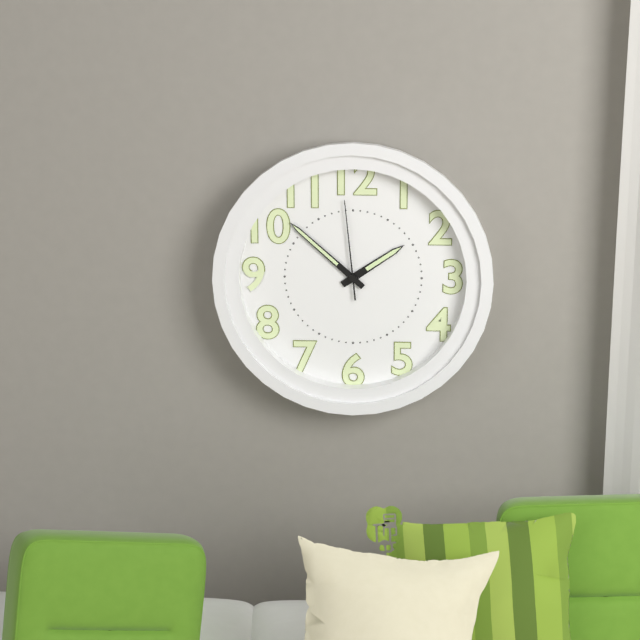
1.52.59
